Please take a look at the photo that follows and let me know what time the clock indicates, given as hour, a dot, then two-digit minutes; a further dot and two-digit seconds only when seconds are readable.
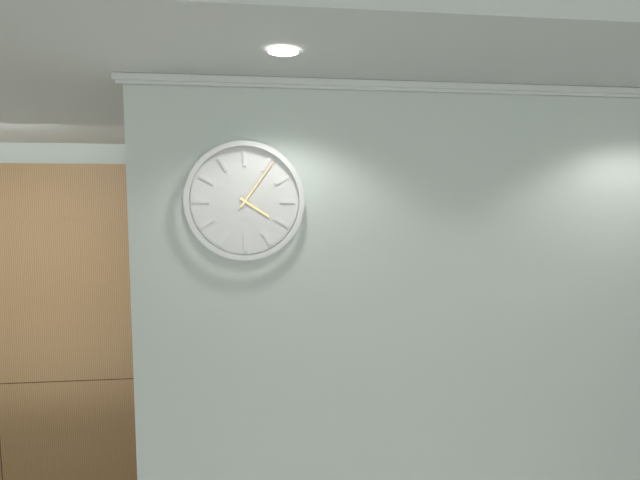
4.06
